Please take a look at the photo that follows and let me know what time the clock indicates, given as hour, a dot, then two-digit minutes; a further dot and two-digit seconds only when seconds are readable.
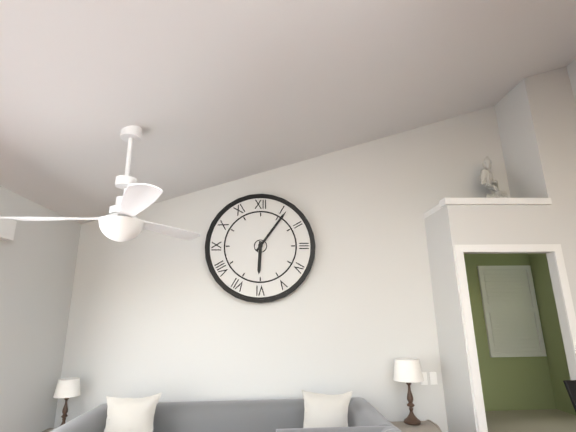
6.06
